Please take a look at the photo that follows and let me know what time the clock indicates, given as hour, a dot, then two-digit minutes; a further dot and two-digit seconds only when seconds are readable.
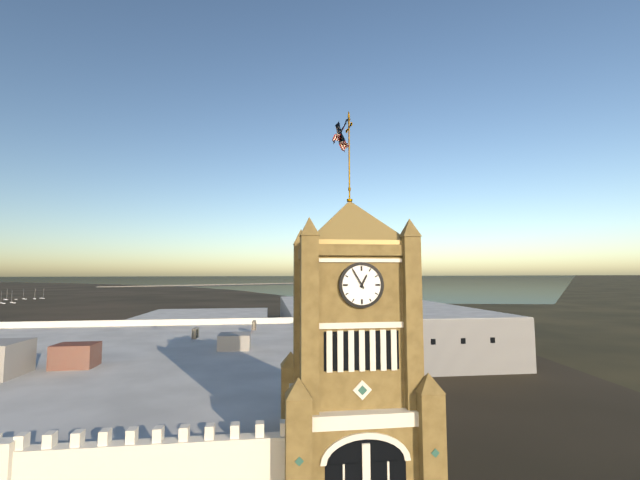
12.55
